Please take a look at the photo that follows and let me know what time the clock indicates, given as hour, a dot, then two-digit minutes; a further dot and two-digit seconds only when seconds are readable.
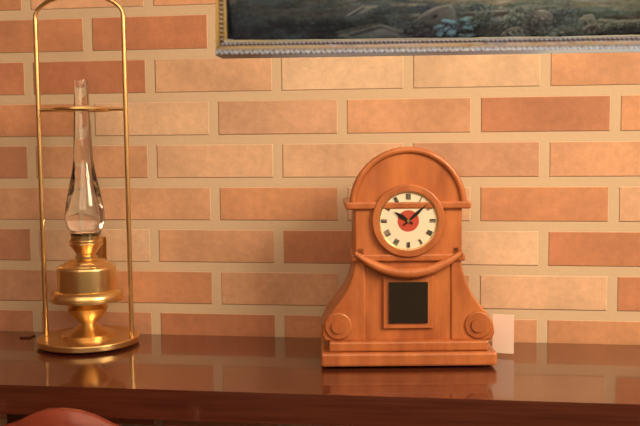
10.08
